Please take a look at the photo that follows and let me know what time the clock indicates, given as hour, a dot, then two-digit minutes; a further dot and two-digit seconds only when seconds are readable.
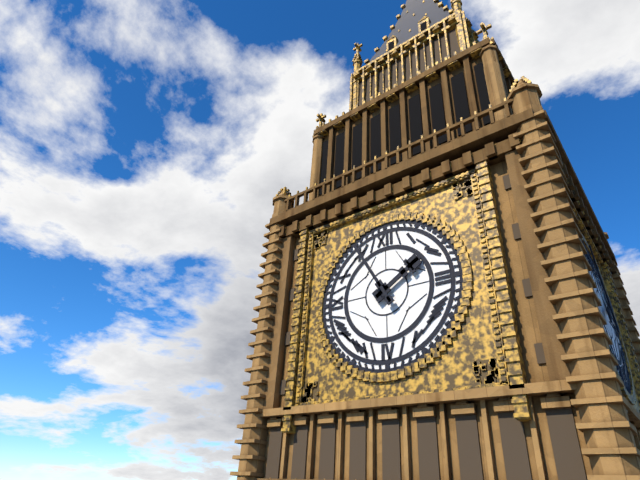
1.55
